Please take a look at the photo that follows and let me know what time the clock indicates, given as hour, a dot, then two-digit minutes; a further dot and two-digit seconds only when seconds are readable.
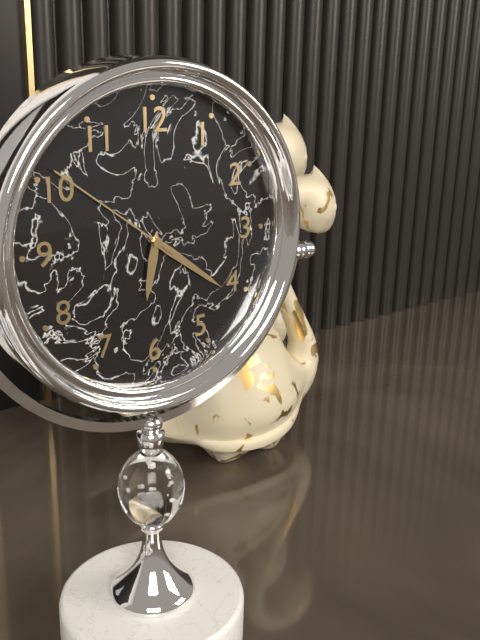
6.21.51
